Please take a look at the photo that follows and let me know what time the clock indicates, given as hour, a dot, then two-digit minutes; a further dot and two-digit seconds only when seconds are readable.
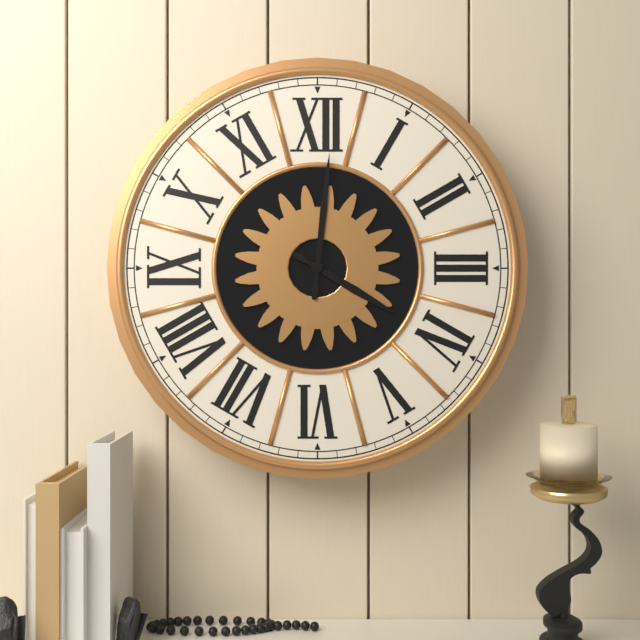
4.01
